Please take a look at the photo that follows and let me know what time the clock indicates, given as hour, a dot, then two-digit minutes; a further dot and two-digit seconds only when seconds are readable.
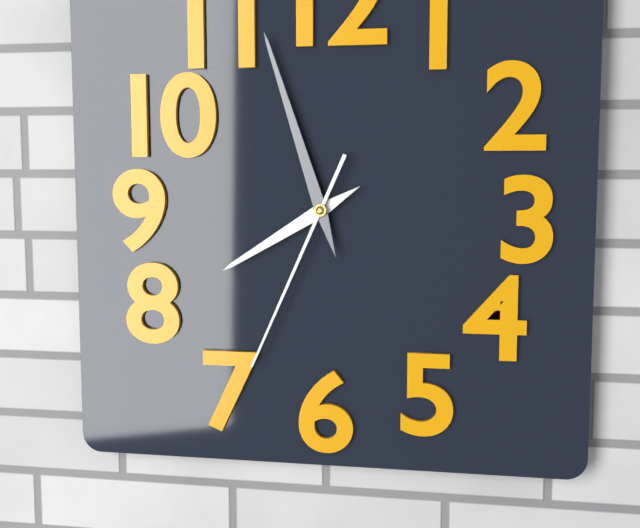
7.57.34
